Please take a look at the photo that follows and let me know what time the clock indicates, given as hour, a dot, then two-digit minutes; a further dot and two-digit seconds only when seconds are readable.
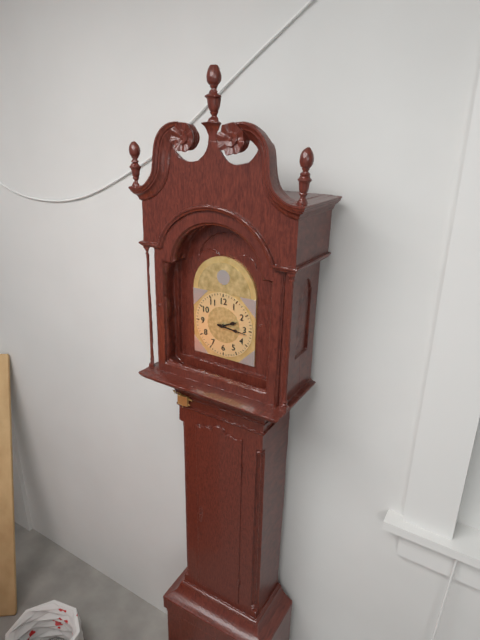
2.16
